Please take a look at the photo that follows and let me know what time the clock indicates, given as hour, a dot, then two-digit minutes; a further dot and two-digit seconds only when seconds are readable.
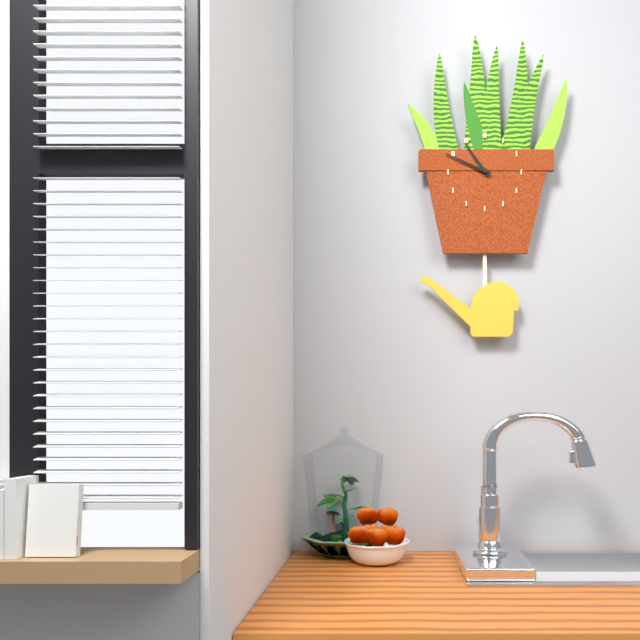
10.49
